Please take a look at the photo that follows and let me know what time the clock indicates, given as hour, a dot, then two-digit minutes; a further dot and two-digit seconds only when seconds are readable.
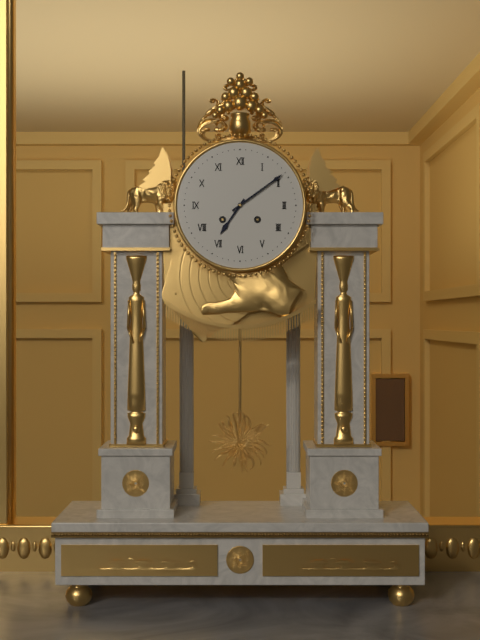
7.09
